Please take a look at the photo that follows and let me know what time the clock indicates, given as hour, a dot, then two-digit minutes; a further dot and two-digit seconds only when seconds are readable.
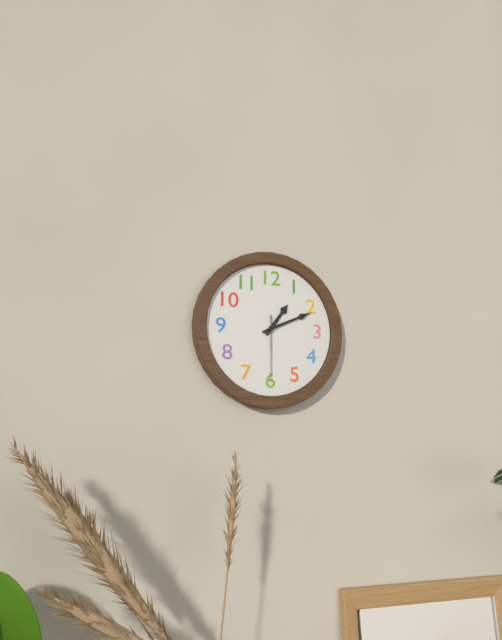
1.11.30
